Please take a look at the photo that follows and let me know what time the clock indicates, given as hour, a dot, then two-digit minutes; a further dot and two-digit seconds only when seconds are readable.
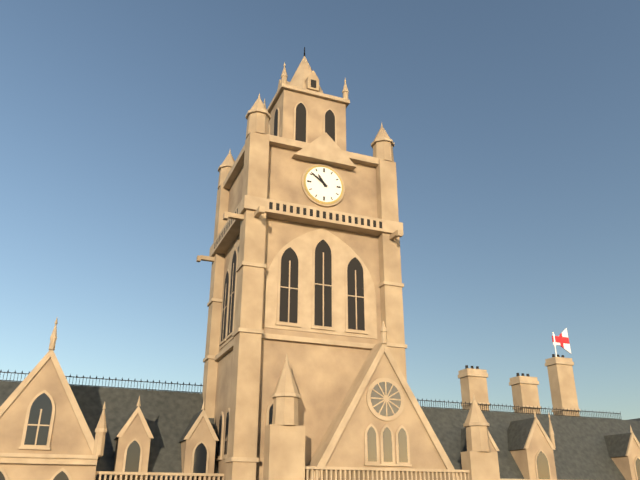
10.51
